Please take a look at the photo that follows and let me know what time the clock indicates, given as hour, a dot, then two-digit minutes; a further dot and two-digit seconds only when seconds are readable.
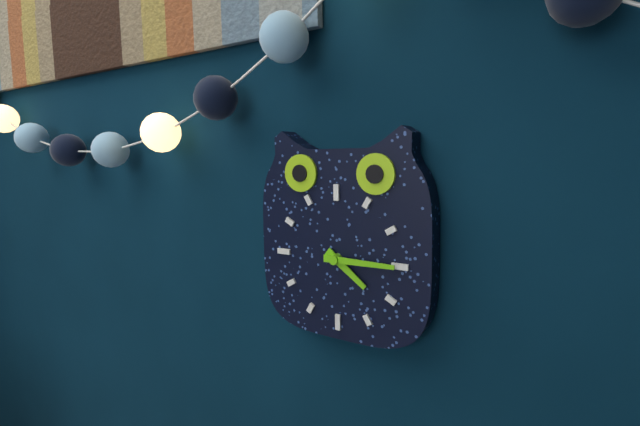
4.15
